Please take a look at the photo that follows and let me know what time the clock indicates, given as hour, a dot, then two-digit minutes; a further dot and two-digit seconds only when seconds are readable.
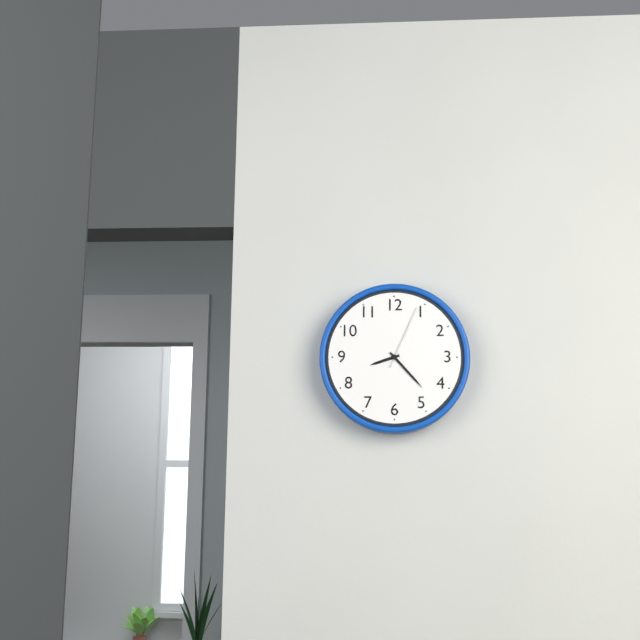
8.23.04
